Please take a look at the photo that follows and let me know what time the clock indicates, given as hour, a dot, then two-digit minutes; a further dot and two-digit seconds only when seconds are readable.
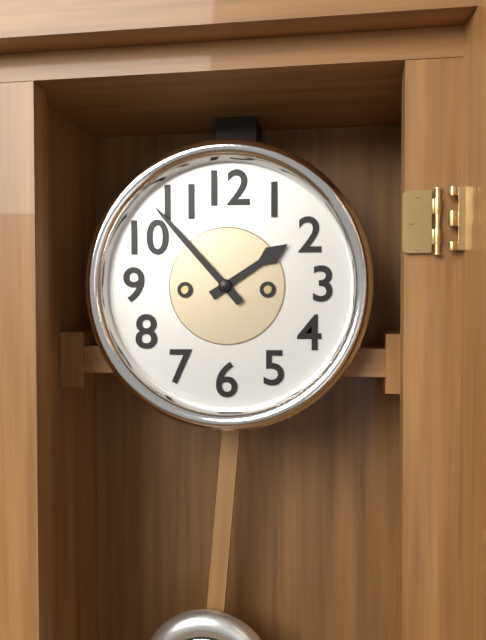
1.53
